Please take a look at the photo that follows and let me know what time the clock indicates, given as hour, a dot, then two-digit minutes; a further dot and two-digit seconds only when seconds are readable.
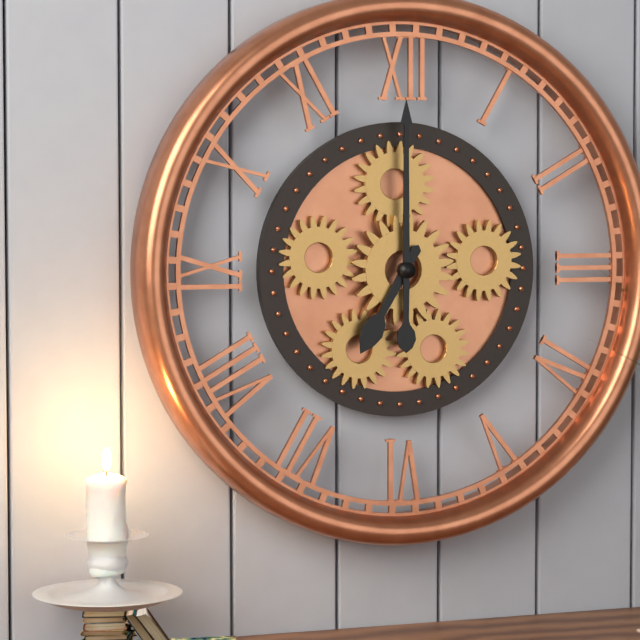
7.00
